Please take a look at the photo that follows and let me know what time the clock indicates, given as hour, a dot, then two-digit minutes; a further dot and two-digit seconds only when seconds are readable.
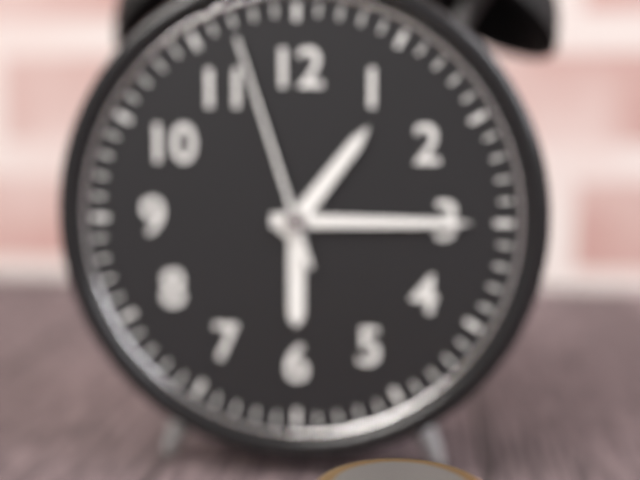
1.15.57
